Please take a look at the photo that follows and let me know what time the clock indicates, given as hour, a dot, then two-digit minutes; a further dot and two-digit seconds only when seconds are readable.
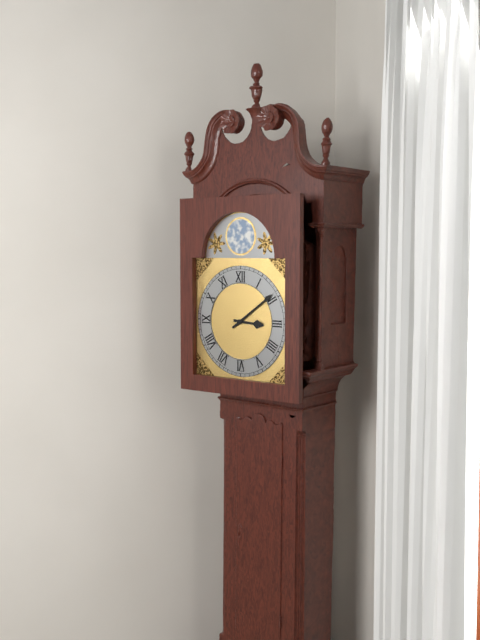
3.09
